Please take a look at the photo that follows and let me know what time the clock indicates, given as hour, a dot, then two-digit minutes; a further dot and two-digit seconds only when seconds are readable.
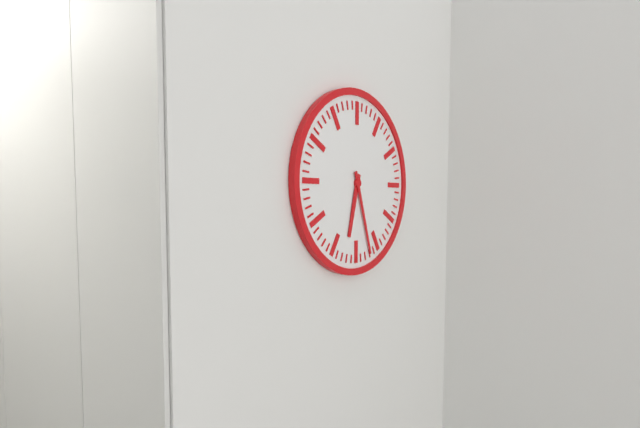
6.27
